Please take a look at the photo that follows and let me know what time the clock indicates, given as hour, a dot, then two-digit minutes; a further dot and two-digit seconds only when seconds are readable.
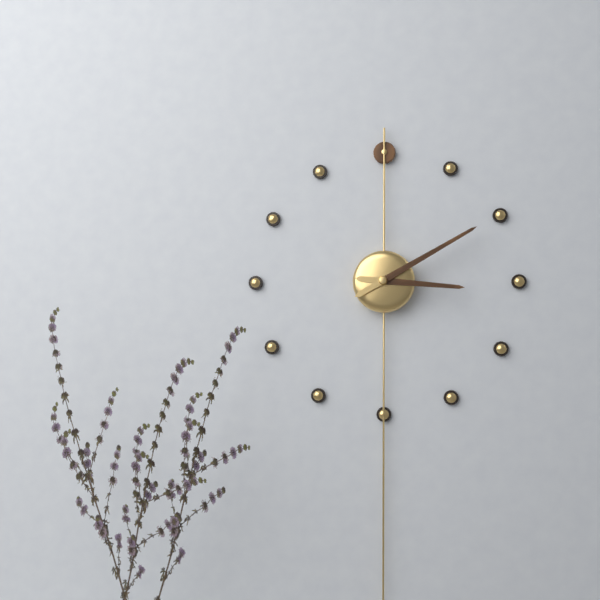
3.10
